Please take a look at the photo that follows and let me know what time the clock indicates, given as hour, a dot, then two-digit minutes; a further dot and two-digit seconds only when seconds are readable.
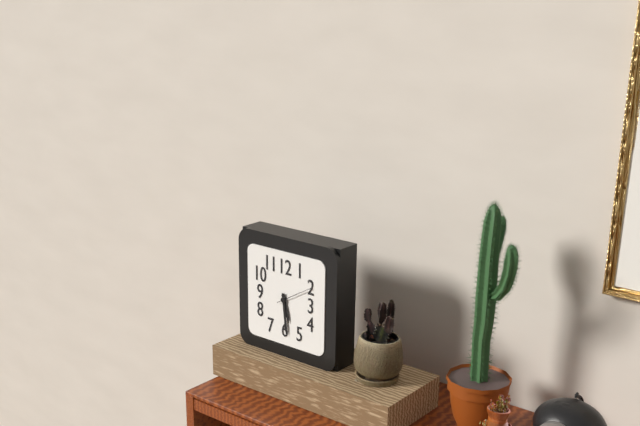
5.29
